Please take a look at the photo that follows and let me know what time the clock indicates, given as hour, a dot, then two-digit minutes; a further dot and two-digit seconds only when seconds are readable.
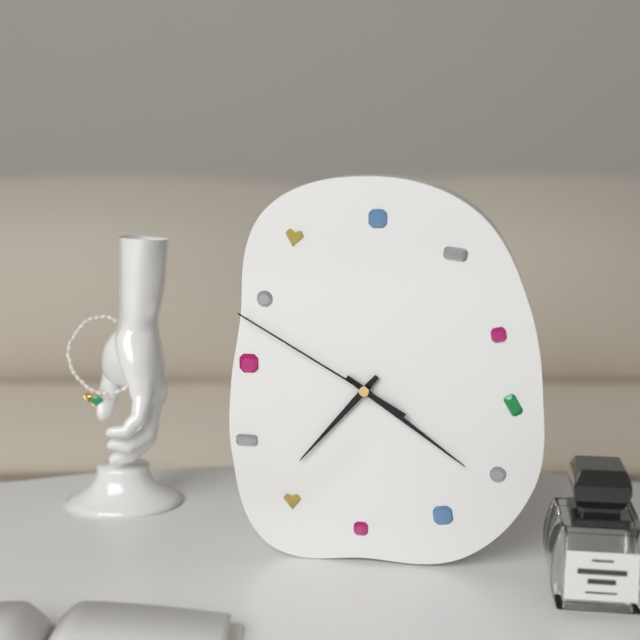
7.21.50
